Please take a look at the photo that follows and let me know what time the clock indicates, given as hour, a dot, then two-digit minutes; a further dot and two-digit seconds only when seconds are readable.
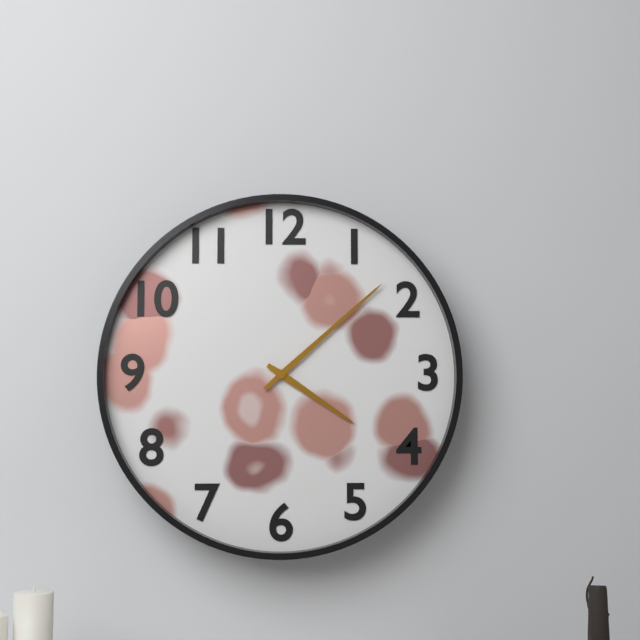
4.08
